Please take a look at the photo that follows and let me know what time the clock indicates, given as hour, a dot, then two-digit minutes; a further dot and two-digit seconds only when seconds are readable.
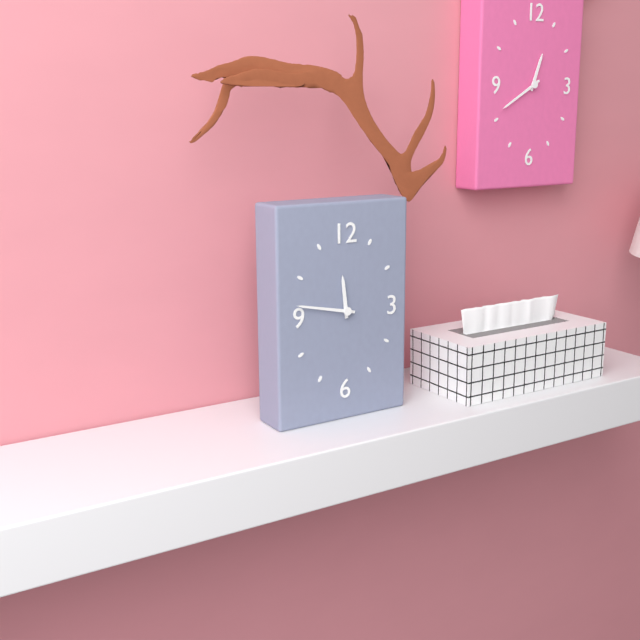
11.47
